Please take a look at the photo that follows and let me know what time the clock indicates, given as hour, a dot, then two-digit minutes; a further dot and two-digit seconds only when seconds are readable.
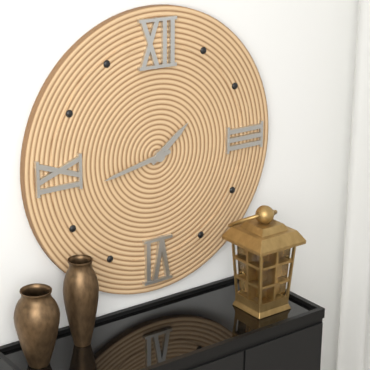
1.43
